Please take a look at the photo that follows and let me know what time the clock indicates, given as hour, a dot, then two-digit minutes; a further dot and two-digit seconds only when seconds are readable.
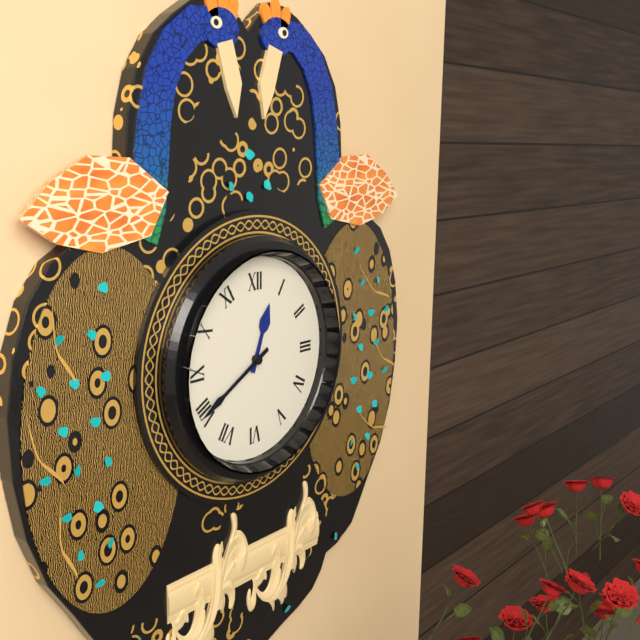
12.40
